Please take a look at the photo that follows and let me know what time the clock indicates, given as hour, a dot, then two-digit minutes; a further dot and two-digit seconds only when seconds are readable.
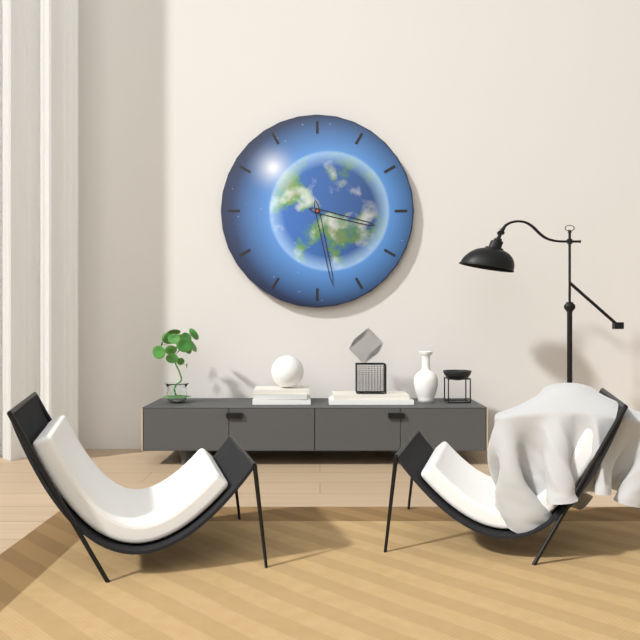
3.28
